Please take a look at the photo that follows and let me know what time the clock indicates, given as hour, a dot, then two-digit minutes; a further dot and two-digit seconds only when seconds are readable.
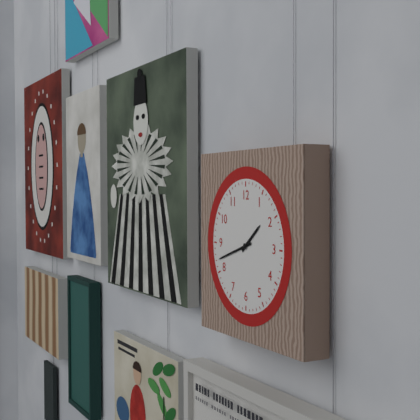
1.42
